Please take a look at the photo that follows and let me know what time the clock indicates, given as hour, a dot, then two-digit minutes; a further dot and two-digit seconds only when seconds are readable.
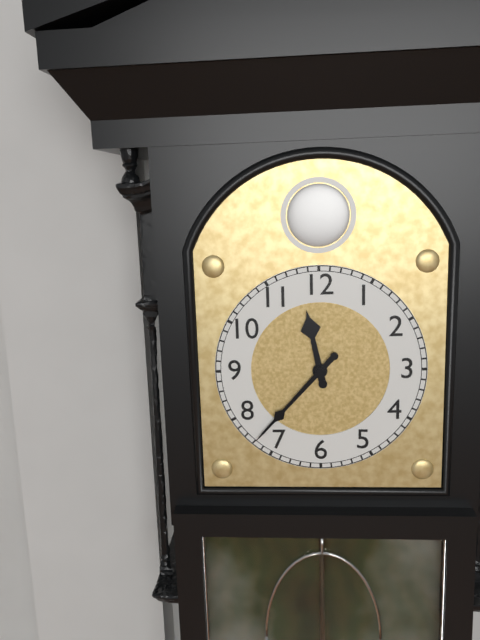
11.37
